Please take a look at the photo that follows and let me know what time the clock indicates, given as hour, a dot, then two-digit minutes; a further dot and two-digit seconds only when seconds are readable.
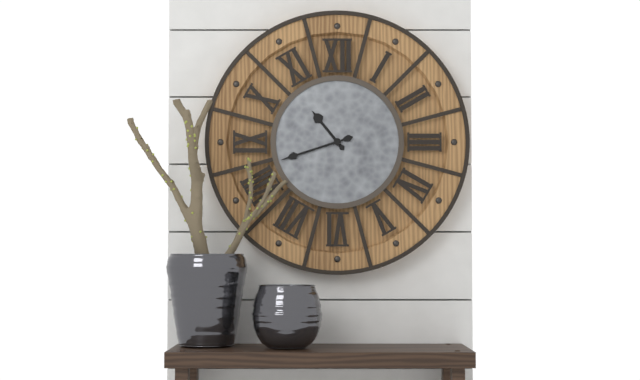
10.42
